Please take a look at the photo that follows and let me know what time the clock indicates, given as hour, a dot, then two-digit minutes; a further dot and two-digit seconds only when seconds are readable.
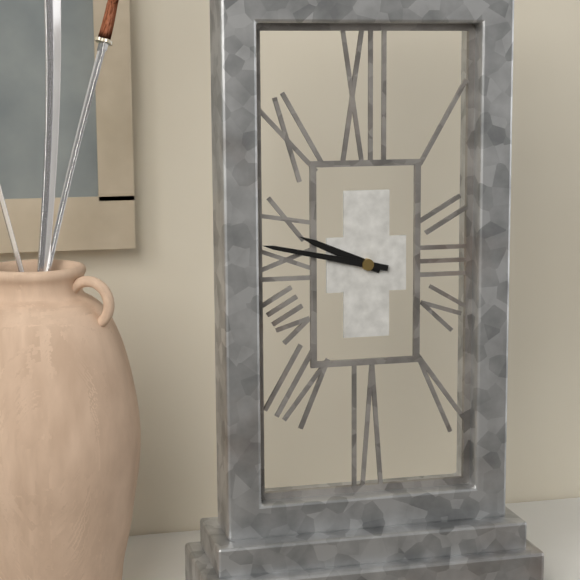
9.47
